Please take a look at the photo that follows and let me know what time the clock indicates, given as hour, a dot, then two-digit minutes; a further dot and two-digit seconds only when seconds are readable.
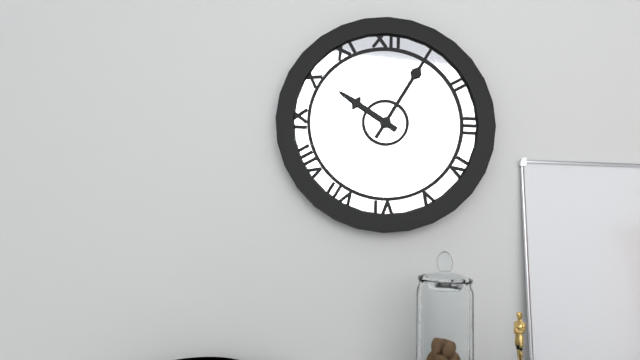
10.05
